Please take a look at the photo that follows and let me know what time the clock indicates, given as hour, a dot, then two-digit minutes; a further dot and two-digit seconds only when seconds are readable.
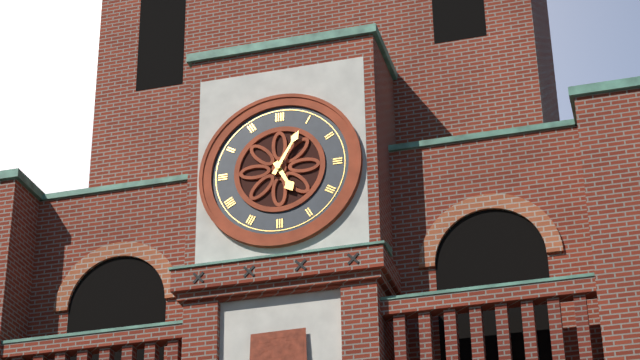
5.05
